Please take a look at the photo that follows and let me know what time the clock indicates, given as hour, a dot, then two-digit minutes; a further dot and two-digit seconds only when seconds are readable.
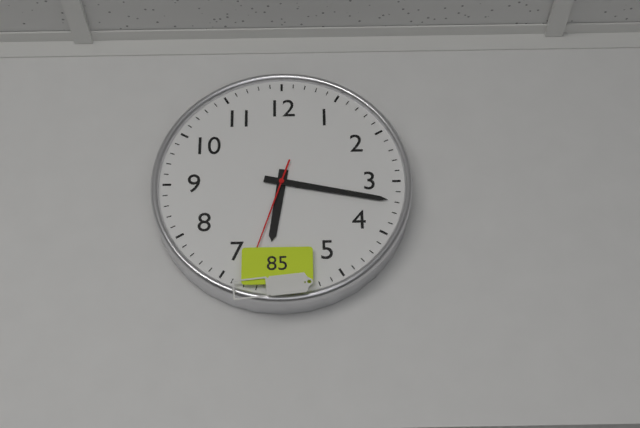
6.17
